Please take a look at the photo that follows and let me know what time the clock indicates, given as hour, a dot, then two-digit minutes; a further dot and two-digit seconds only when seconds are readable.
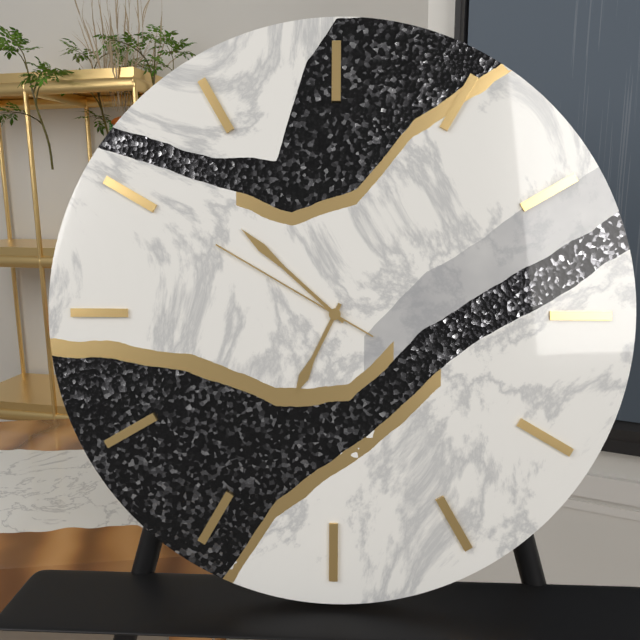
6.52.50
